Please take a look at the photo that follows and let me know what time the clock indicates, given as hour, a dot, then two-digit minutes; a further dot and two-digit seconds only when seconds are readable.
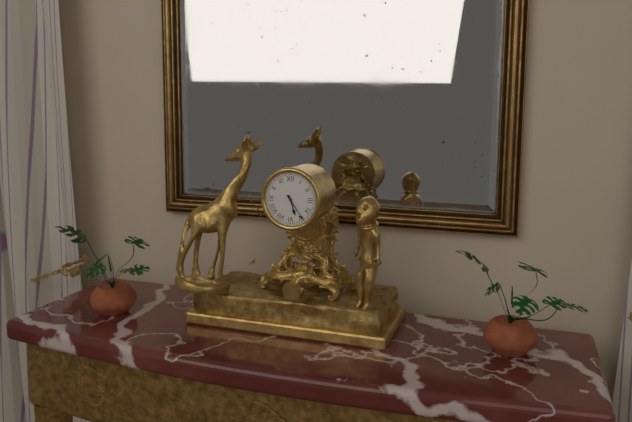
5.24
